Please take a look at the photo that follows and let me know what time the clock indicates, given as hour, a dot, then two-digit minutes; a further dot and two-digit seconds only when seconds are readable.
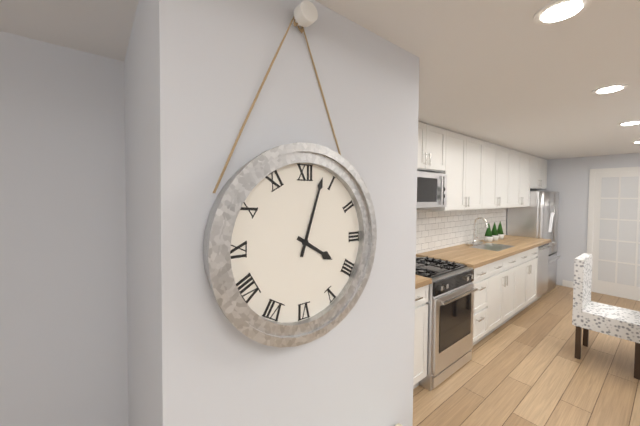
4.03
